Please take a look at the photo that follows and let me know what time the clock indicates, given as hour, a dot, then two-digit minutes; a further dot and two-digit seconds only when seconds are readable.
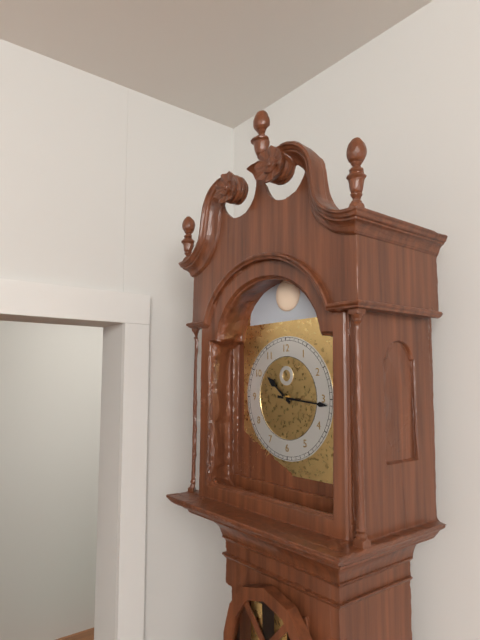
10.16
